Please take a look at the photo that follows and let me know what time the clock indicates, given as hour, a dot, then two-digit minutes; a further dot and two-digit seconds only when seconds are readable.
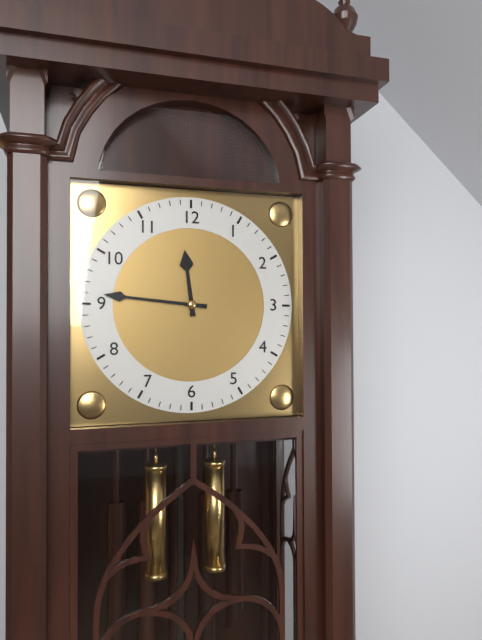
11.46
